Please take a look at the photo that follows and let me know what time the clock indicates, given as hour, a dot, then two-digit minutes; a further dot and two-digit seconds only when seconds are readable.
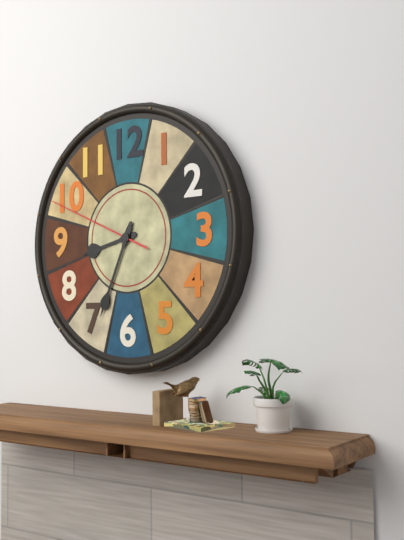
8.34.49
